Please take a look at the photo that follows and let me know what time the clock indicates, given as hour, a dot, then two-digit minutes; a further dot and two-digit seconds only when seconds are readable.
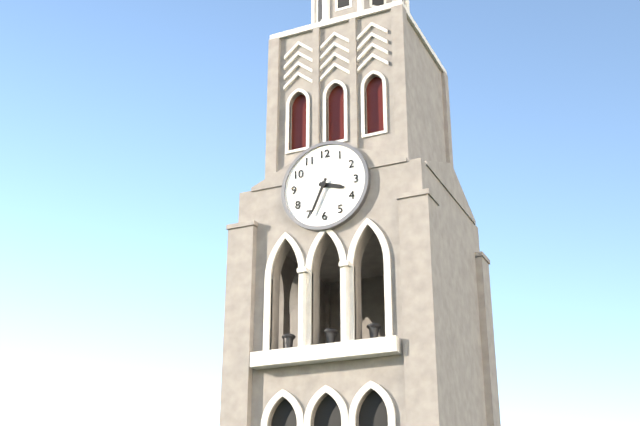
3.34
